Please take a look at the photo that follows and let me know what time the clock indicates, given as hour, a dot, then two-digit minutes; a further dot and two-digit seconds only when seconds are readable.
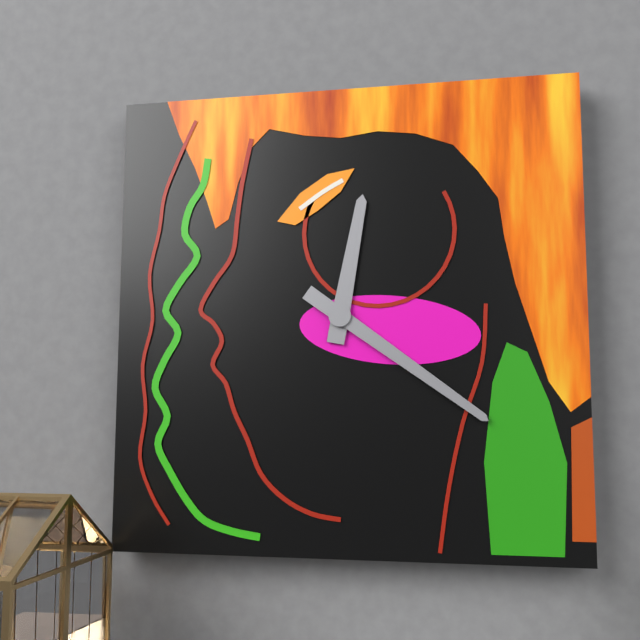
12.21
